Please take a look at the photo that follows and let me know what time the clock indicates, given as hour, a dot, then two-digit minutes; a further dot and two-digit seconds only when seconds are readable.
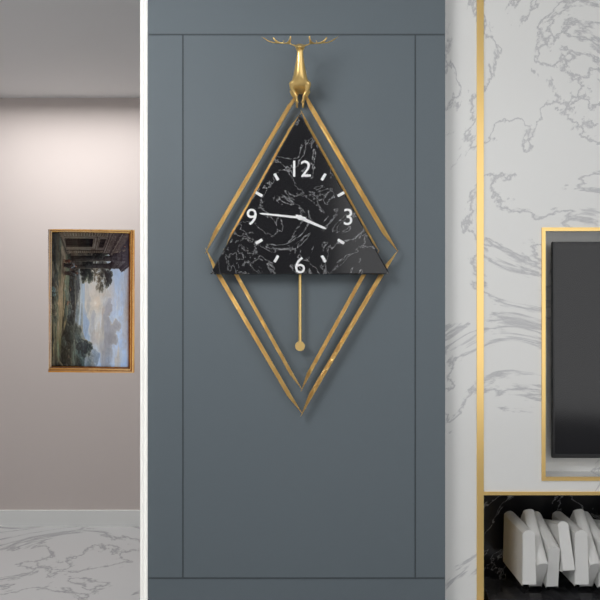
3.46
